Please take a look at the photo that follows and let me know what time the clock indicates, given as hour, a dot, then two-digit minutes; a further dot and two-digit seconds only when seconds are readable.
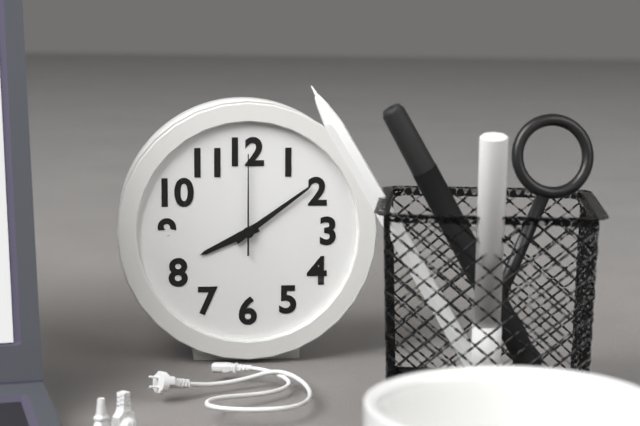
8.09.00
